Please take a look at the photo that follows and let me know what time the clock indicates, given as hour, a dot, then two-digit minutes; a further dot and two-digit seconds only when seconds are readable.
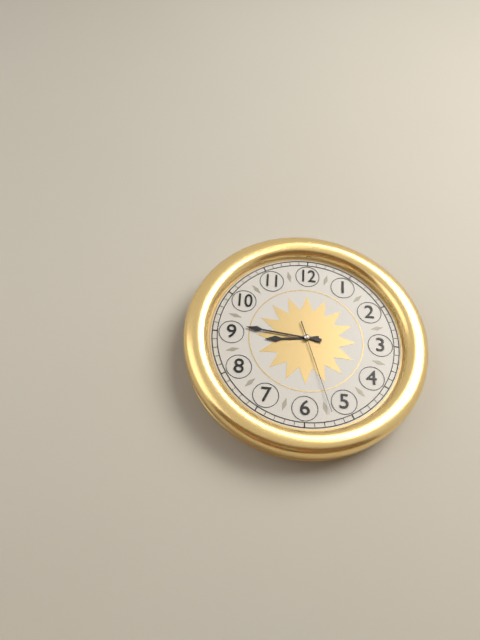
8.46.27
